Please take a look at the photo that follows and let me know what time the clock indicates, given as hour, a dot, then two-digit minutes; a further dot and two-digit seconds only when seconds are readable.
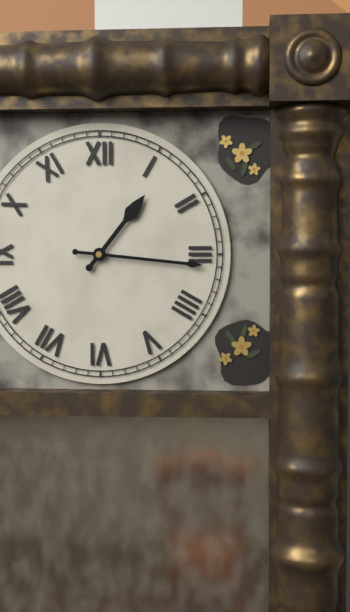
1.16
